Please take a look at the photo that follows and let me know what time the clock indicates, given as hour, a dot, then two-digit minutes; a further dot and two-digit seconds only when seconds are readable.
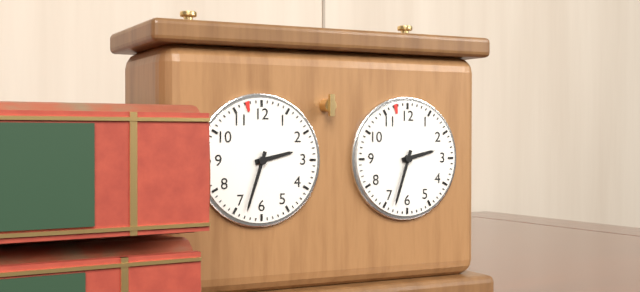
2.33
